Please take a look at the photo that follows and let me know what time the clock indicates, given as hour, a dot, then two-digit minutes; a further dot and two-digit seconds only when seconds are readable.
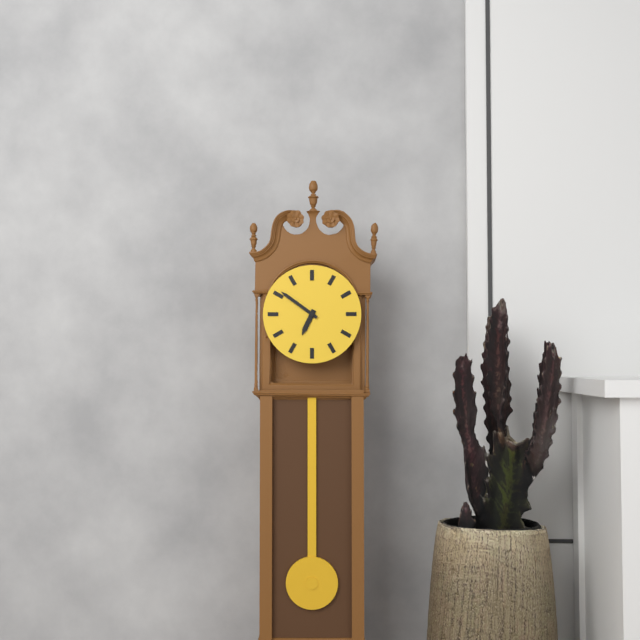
6.51
